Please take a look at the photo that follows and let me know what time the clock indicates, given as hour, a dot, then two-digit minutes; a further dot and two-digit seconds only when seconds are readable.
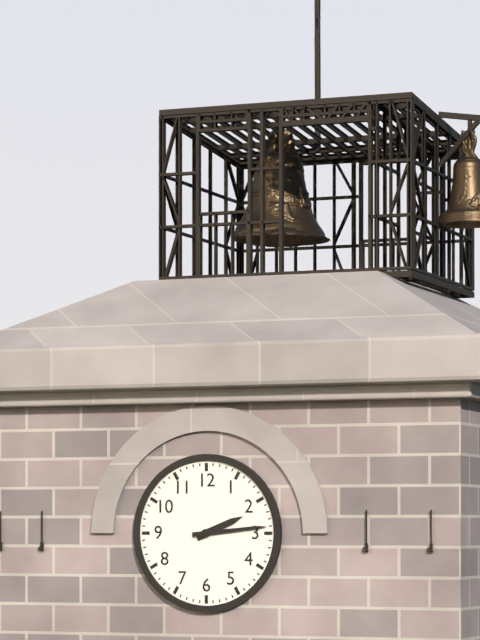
2.14
